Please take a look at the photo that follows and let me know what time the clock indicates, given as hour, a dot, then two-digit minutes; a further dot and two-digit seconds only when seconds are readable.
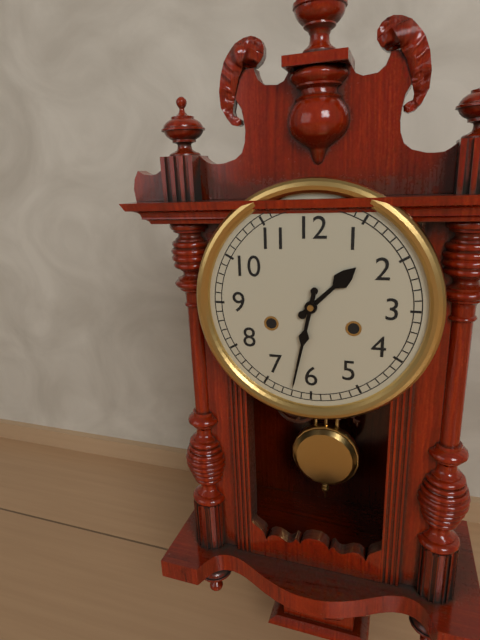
1.32
